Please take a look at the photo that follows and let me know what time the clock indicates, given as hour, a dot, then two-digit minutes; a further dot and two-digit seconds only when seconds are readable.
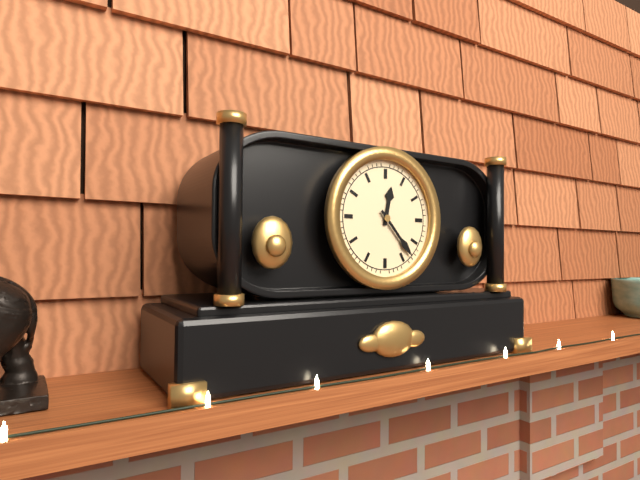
12.23
